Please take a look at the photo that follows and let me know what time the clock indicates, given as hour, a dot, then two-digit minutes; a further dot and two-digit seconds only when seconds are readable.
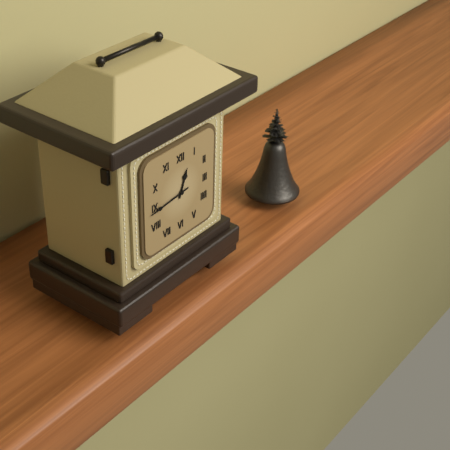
12.44
